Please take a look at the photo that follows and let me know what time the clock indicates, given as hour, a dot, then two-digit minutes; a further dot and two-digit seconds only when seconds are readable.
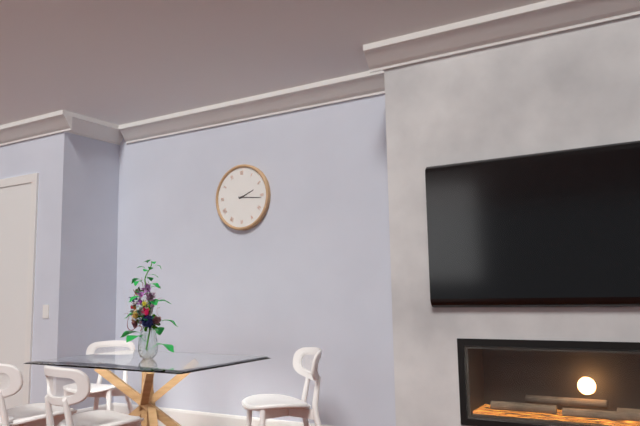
2.16
